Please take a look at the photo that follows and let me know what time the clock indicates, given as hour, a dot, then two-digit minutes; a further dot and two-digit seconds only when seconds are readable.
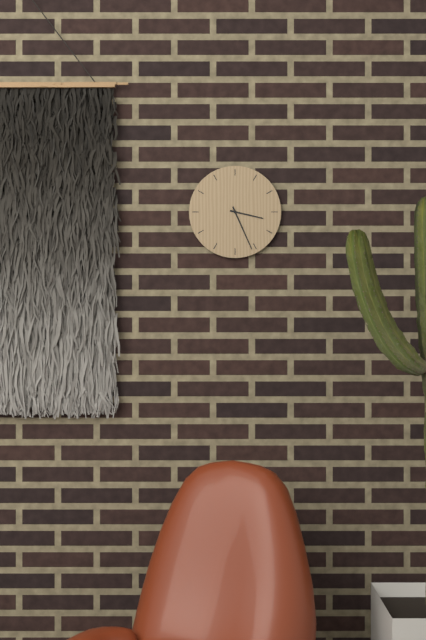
3.26
